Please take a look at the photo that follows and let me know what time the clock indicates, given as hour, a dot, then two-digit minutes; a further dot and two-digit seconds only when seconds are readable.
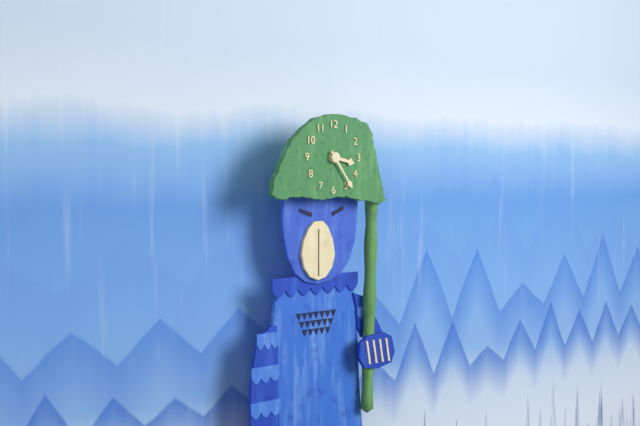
3.24
